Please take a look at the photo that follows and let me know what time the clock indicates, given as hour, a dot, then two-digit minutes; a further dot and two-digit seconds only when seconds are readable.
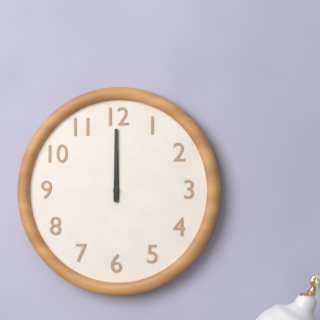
12.00
